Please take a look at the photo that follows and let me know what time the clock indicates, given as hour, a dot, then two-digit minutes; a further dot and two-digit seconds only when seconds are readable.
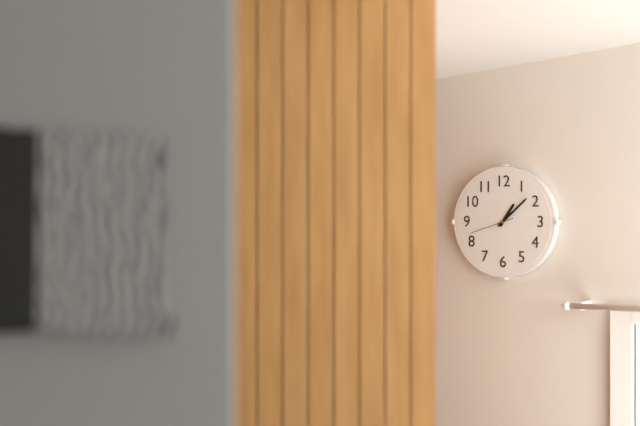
1.08
